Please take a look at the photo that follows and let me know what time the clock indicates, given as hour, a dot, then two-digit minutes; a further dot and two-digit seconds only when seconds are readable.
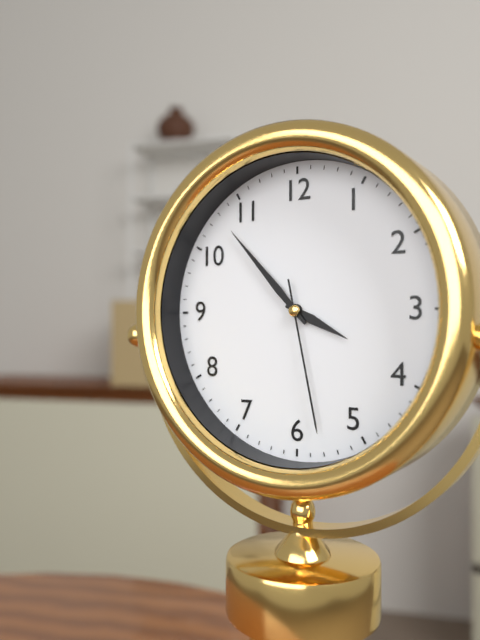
3.53.28
